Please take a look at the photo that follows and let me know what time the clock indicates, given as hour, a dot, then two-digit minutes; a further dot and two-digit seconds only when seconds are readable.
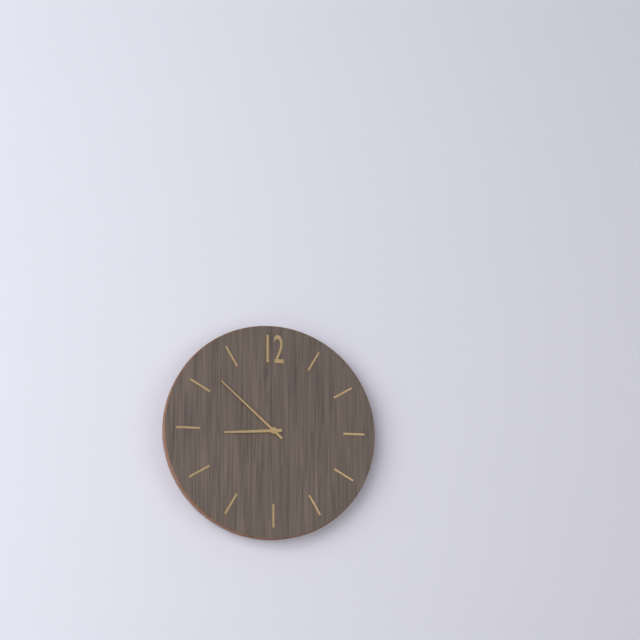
8.52
